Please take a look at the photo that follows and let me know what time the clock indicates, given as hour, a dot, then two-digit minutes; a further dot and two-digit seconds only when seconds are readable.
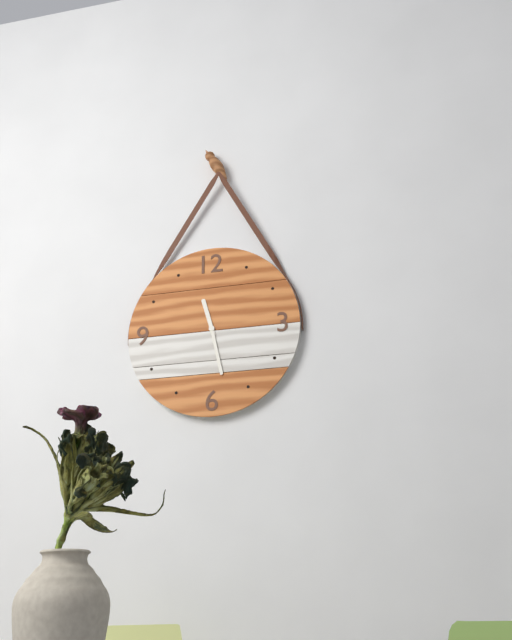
11.28
